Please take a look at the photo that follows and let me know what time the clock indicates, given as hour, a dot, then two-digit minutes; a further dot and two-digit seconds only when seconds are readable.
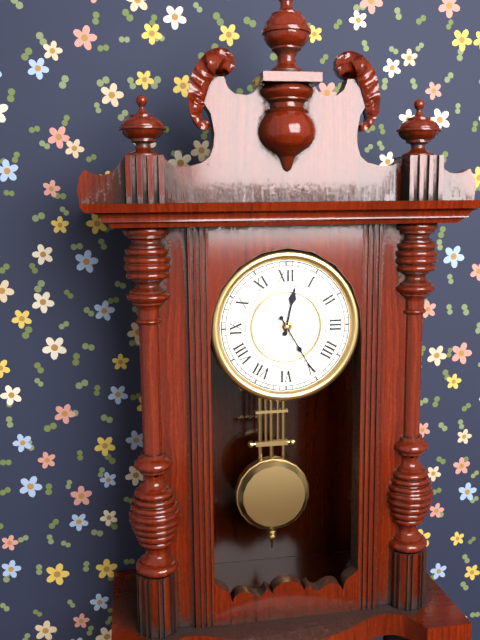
12.25
